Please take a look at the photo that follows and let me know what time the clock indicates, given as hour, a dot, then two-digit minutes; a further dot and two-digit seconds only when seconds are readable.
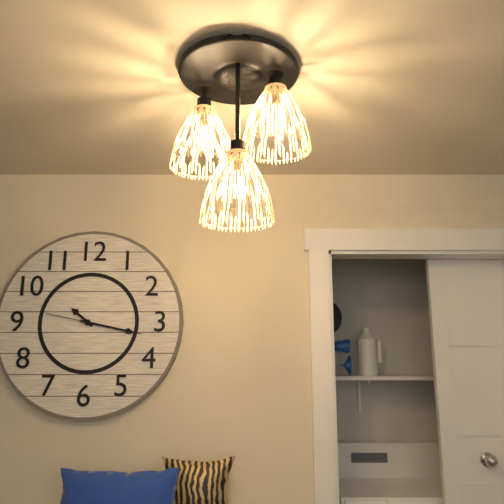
10.17.17
